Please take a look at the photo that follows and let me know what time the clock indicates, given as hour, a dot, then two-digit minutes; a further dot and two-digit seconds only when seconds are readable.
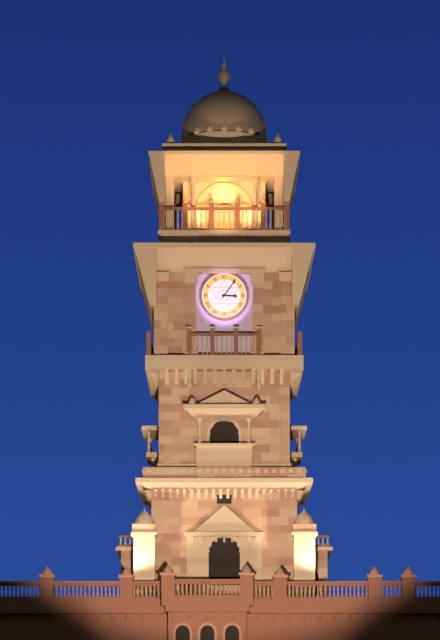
3.06
